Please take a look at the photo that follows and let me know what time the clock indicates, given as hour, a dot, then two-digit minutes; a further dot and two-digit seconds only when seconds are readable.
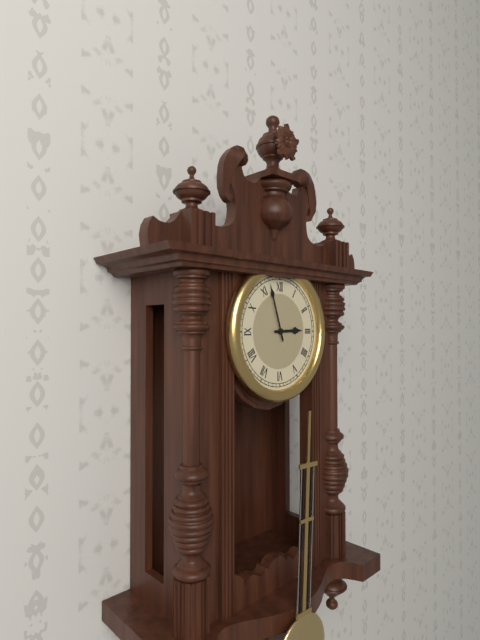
2.57
